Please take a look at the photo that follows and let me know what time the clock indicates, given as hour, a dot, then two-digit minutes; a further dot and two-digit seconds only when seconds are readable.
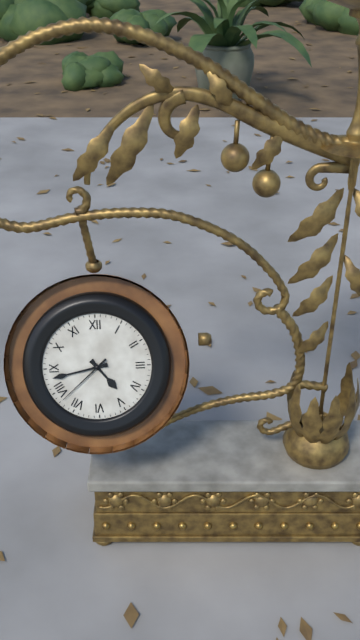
4.43.38
